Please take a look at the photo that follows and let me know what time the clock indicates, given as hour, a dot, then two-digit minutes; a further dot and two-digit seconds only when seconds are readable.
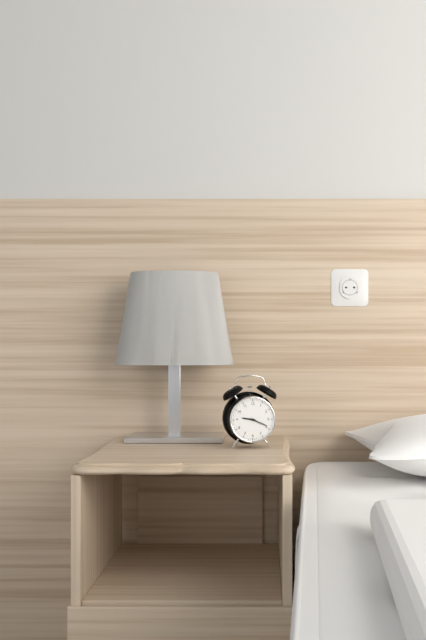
9.19
